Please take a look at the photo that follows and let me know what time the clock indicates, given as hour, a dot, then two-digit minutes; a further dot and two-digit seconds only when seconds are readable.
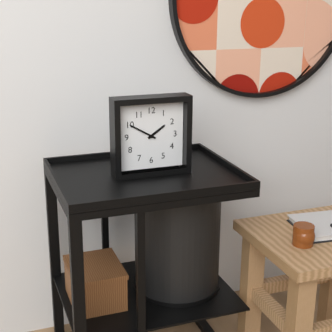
1.50
